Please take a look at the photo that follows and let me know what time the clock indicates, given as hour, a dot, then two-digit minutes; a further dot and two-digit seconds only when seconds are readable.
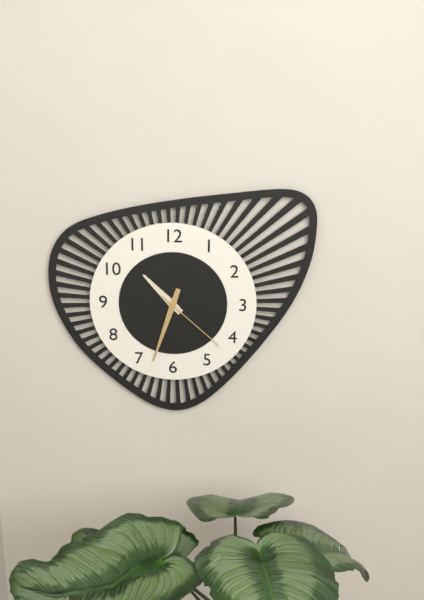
10.33.22
